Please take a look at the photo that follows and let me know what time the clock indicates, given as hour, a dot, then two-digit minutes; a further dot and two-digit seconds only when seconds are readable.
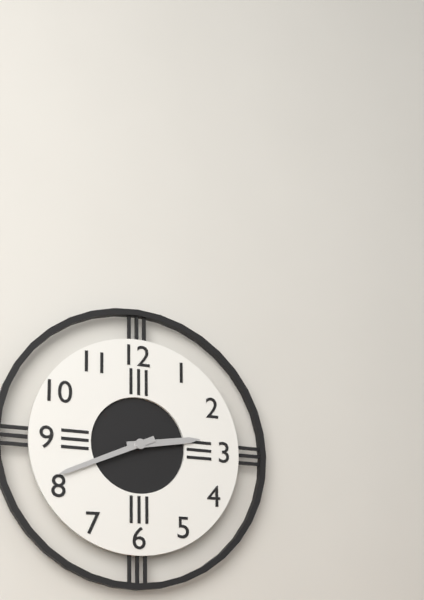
2.41
